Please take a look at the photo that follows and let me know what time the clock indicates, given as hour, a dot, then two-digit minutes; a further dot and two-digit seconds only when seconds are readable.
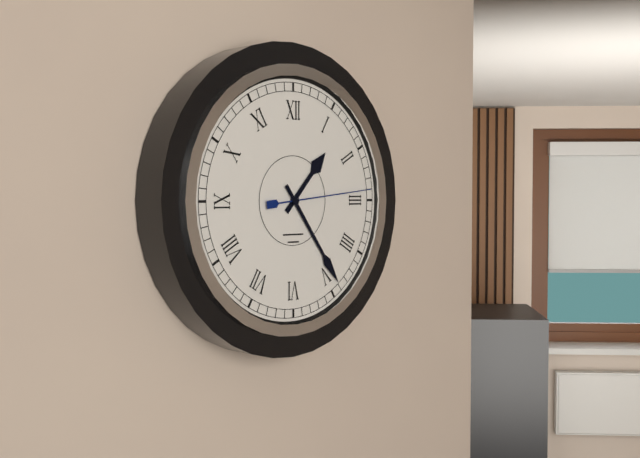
1.24.14
